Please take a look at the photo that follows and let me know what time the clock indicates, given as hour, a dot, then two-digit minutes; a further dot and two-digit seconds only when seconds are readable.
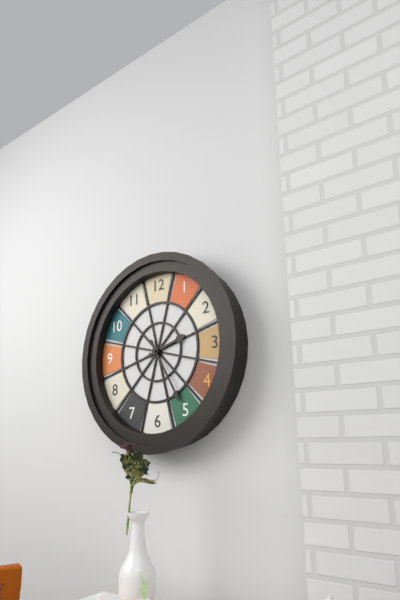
2.25
